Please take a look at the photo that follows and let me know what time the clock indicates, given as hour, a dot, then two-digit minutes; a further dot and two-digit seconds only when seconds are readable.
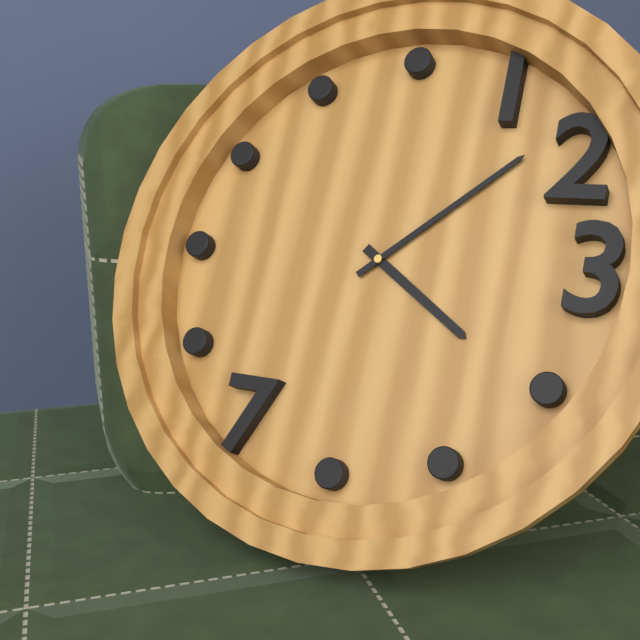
4.08
